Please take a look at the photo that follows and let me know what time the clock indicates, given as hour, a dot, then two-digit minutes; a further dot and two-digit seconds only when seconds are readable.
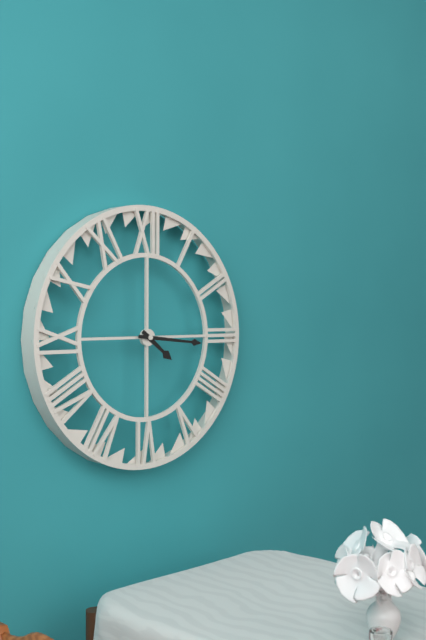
4.16
